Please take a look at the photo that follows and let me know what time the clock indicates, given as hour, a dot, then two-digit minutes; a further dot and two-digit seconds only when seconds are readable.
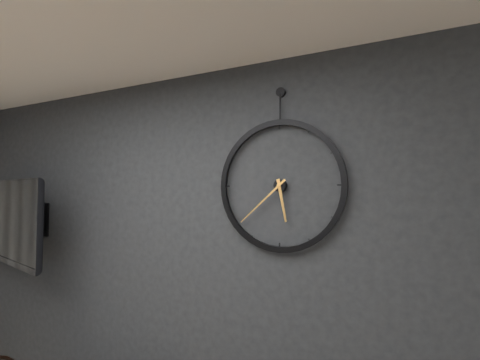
5.38
